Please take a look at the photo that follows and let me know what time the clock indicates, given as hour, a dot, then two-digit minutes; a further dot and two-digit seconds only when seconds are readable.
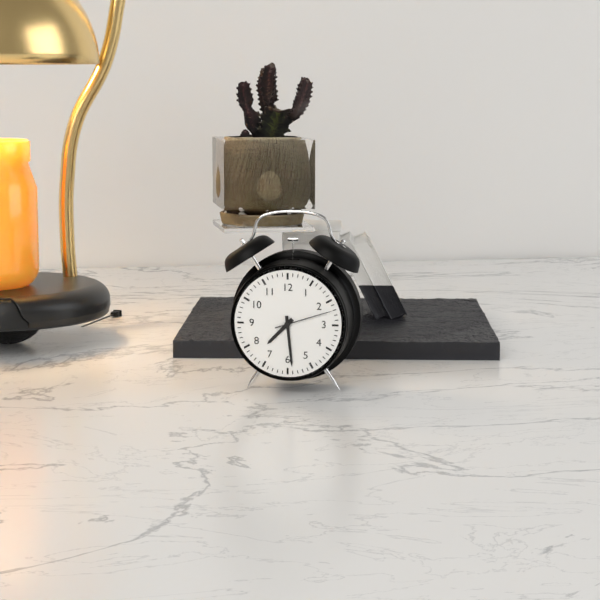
7.29.12
